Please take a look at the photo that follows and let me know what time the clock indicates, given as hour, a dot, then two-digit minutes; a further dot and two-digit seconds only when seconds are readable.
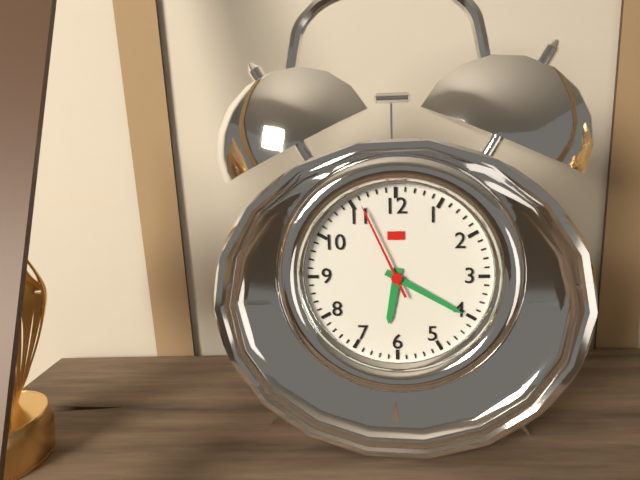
6.20.56
